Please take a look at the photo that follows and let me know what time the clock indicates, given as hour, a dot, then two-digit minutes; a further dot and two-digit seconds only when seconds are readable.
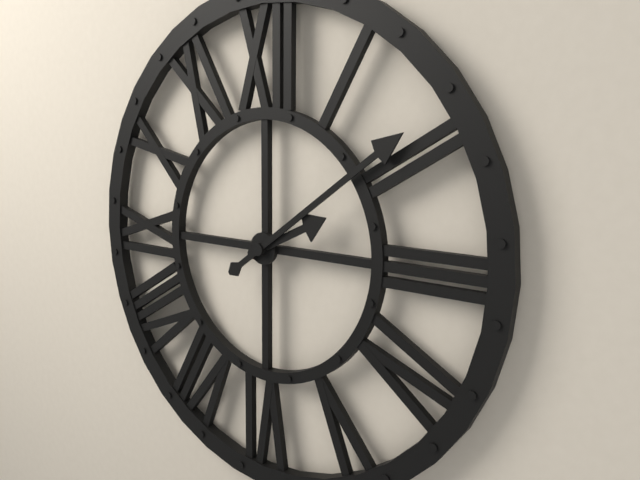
2.09
